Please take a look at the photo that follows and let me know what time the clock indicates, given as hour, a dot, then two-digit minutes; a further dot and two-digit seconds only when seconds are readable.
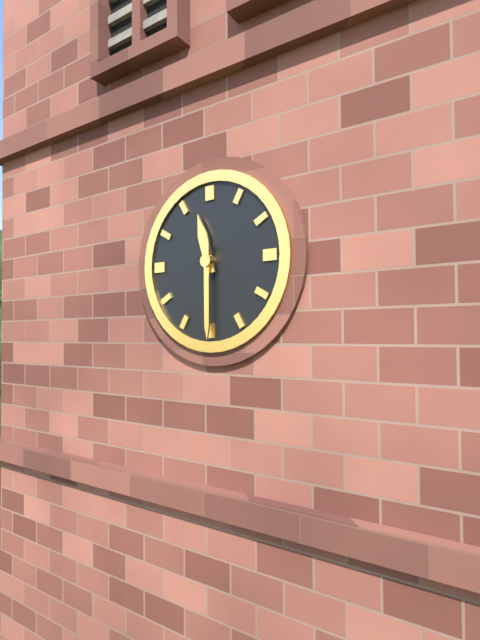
11.30
